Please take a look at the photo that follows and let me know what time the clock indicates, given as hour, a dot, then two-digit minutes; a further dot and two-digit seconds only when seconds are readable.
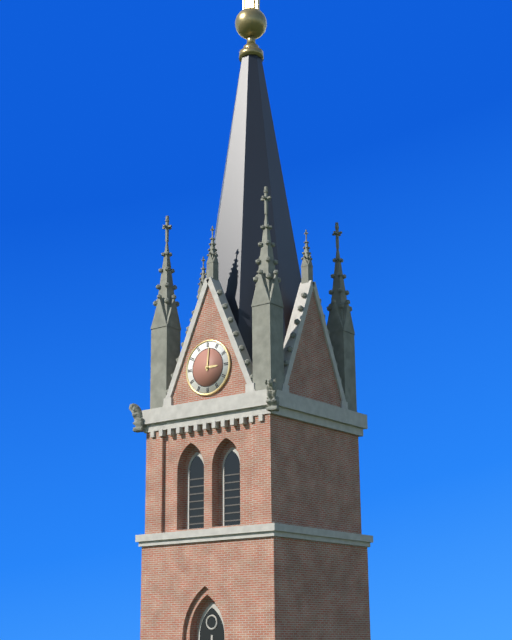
3.01
